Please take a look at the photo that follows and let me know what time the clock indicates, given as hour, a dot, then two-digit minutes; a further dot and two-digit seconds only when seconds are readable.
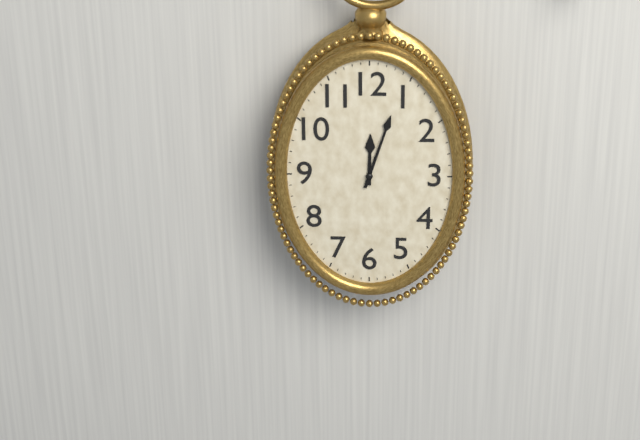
12.03
